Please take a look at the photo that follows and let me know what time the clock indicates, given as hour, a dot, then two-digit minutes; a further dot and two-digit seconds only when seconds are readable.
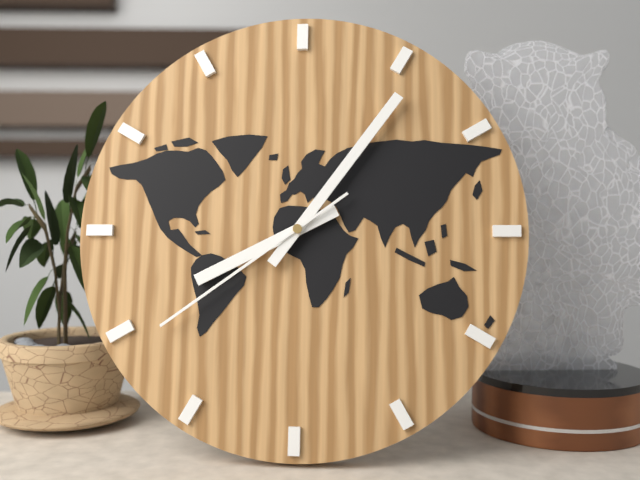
8.06.39
